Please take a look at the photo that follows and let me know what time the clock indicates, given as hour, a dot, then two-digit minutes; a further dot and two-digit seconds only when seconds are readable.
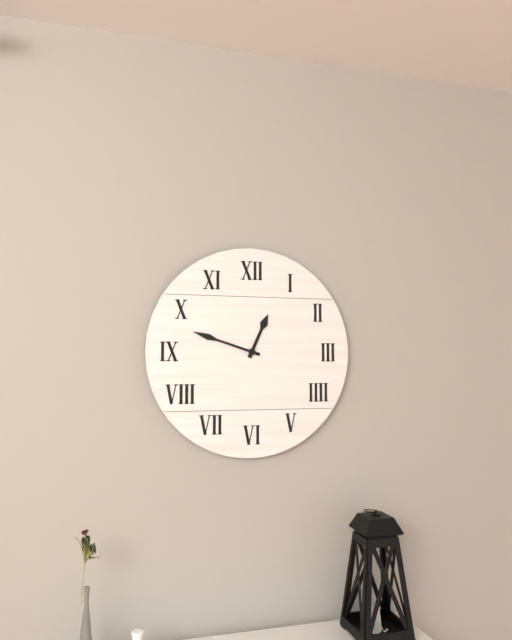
12.48
